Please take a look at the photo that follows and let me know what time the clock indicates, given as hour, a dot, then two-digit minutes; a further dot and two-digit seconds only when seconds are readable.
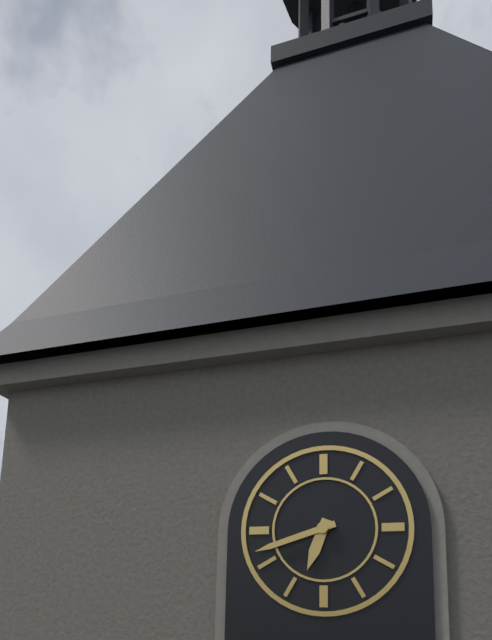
6.42
